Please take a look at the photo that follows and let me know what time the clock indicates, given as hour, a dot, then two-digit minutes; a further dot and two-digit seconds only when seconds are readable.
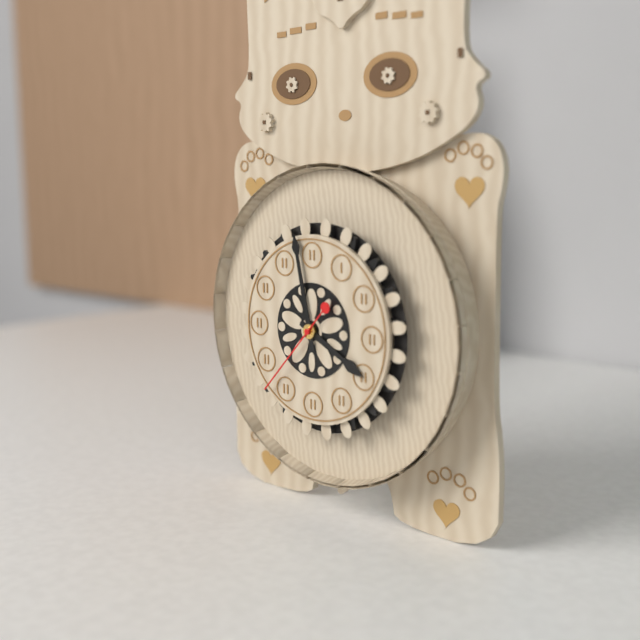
3.58.37
